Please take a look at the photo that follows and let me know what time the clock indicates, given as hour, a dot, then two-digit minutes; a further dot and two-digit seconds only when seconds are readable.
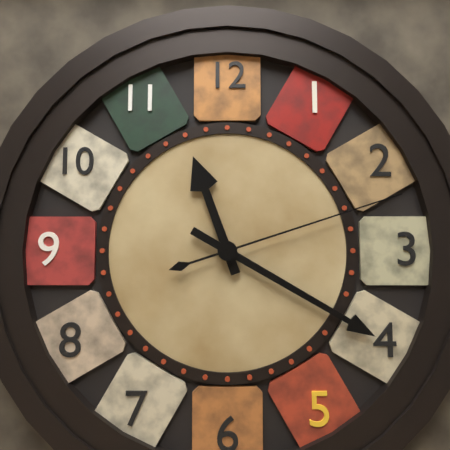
11.20.12
